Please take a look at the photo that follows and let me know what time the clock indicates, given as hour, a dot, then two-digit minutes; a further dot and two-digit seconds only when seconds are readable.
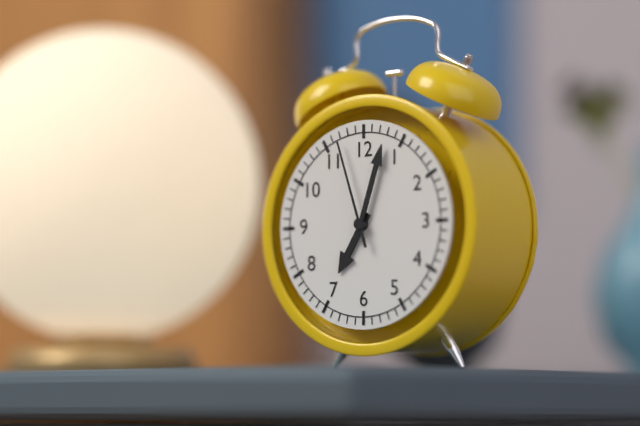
7.03.57
